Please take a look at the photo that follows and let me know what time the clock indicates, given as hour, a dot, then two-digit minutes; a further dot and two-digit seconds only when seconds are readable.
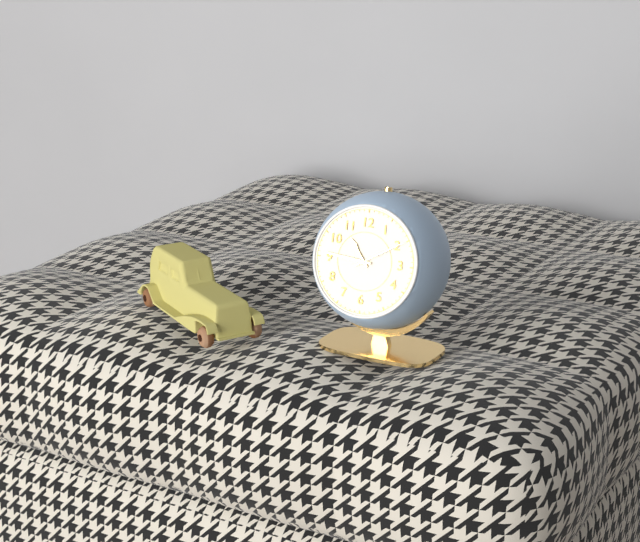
10.46
